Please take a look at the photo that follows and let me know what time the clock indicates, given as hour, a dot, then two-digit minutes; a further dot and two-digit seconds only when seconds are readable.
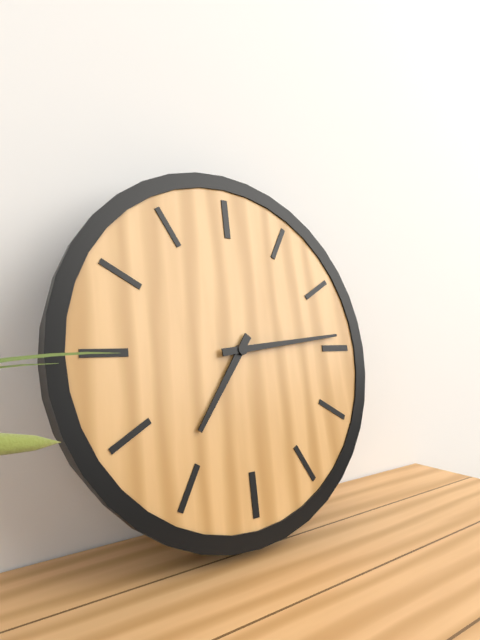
7.14
